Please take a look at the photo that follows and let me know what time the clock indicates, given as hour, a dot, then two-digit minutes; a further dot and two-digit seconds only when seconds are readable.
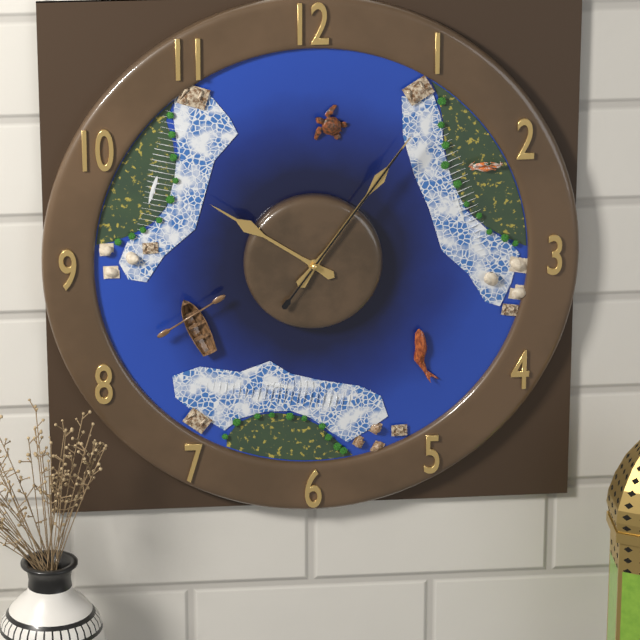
10.06.06
